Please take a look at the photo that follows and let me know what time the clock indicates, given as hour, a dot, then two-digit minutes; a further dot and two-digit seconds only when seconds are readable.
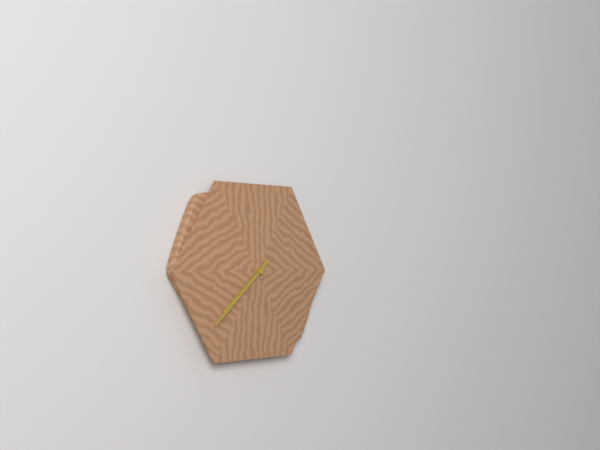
7.38
